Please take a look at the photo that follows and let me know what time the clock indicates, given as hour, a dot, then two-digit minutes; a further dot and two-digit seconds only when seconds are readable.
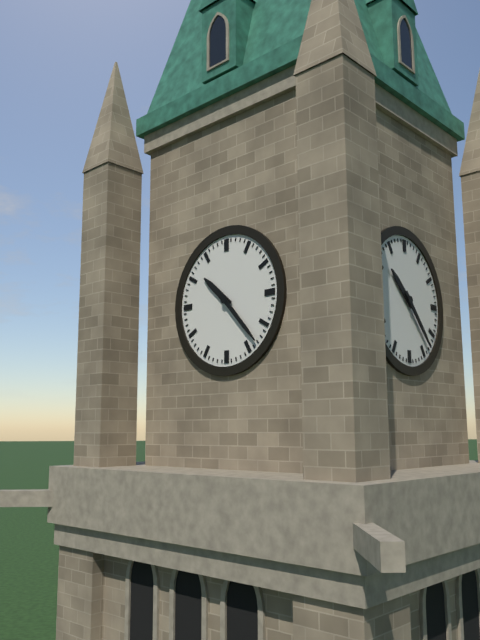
10.23
